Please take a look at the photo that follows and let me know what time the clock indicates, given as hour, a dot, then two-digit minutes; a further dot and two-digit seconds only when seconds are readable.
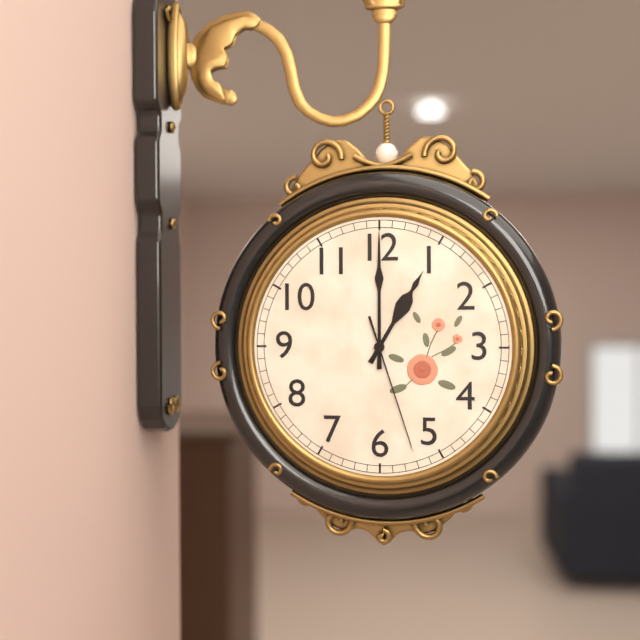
1.00.27
